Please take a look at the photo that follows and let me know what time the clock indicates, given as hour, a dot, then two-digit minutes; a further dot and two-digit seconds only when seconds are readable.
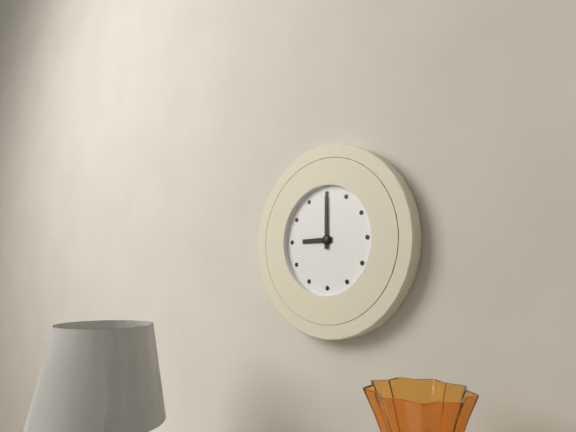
9.00
